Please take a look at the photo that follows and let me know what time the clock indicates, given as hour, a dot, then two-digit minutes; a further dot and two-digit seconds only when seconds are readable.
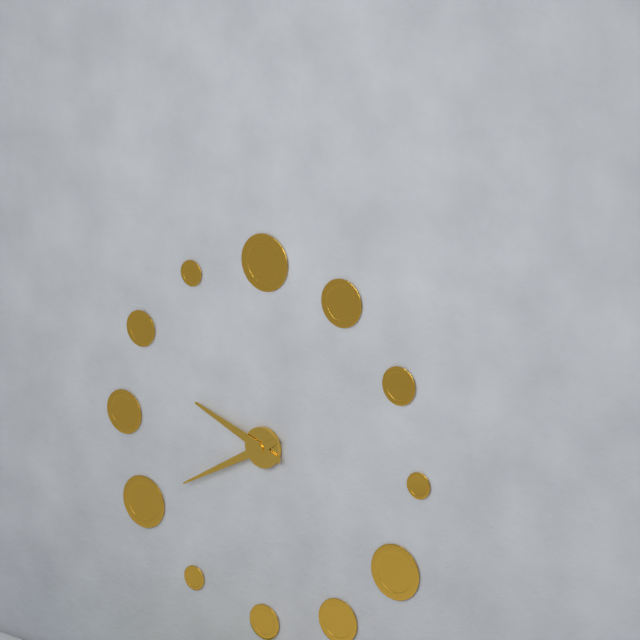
9.40
